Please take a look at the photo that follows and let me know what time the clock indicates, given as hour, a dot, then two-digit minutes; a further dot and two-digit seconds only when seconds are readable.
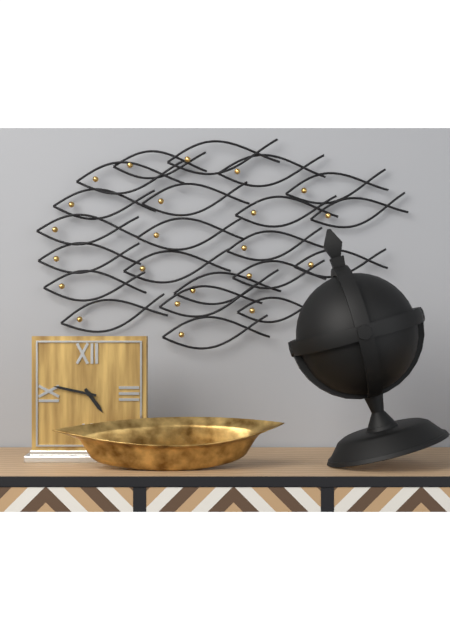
4.47
